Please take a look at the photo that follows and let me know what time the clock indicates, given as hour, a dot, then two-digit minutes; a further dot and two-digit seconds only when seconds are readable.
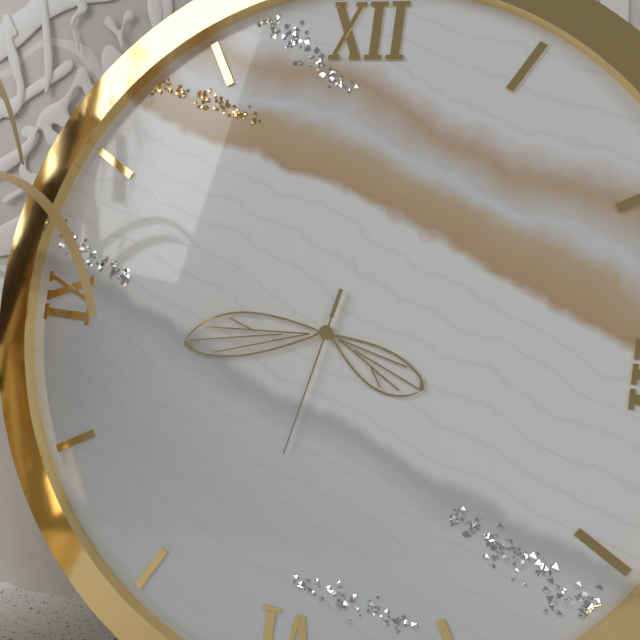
3.43.32
